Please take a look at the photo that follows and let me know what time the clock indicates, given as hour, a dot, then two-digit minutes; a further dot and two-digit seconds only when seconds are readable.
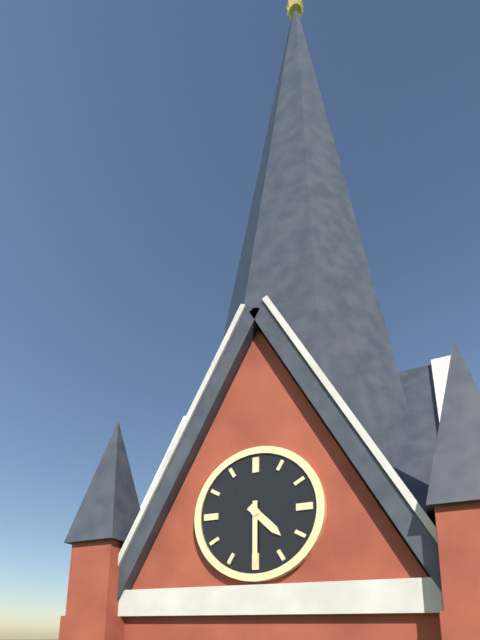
4.30
